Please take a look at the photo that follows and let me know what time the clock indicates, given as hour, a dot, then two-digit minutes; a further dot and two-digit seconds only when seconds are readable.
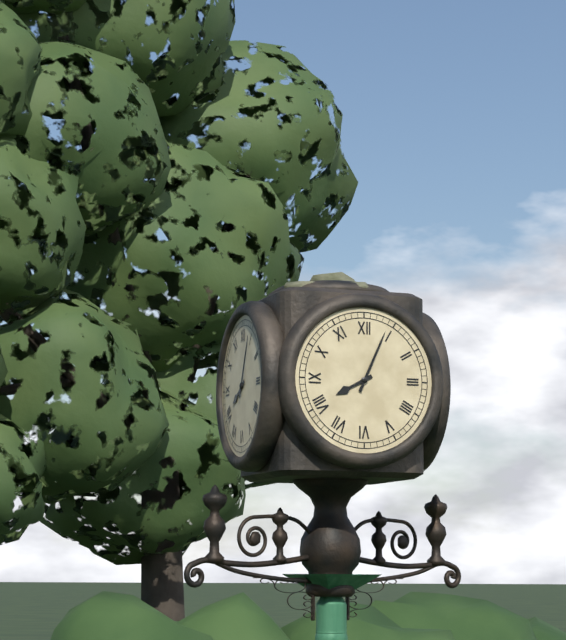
8.04
